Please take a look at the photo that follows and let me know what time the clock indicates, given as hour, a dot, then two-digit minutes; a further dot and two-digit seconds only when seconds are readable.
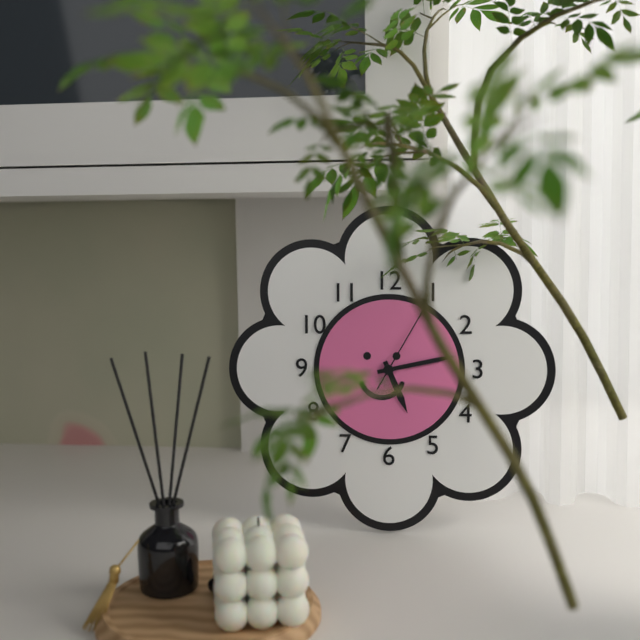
5.13.05
